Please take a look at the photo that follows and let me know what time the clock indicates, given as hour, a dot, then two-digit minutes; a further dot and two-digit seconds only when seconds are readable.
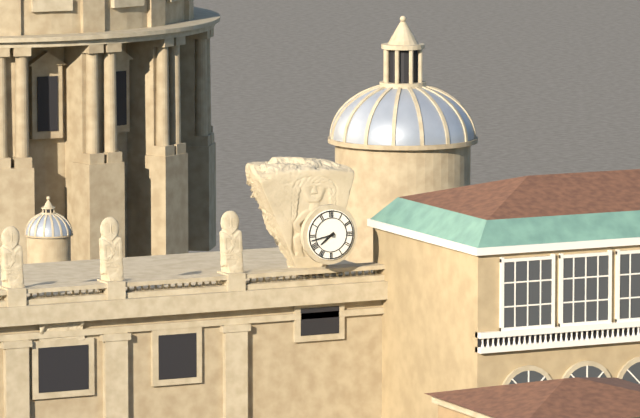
7.43
